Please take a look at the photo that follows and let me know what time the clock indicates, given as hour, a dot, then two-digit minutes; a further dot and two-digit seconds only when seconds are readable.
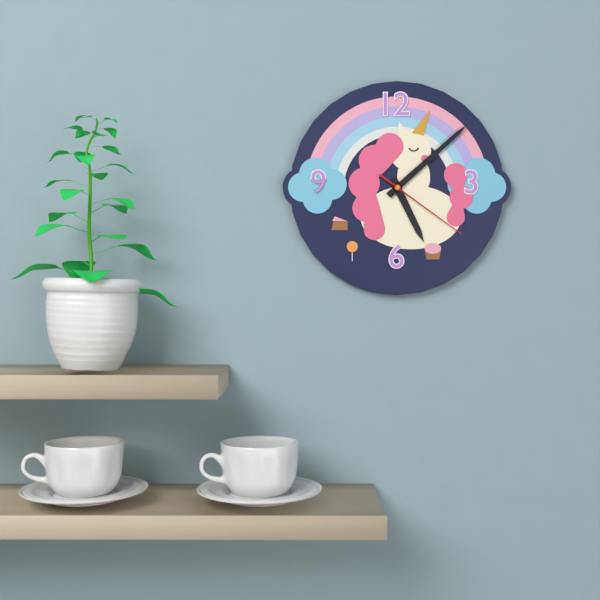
5.08.21
